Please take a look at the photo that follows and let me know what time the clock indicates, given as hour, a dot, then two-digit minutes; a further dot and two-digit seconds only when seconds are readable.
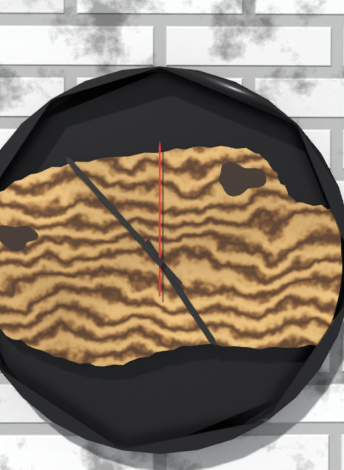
4.53.00
